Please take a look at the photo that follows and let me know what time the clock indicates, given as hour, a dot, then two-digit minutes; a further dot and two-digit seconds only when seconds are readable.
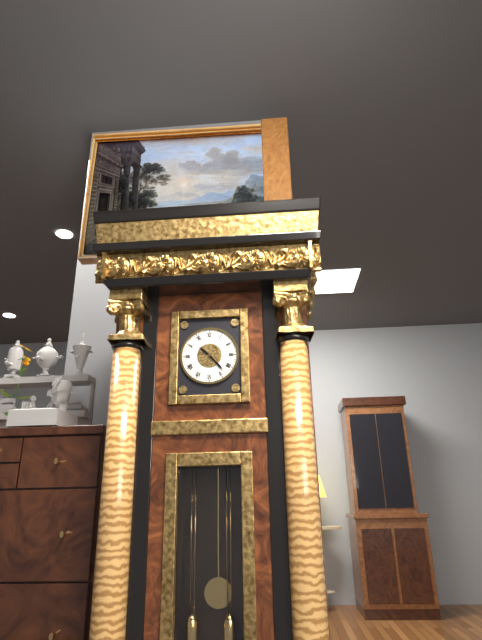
10.23
